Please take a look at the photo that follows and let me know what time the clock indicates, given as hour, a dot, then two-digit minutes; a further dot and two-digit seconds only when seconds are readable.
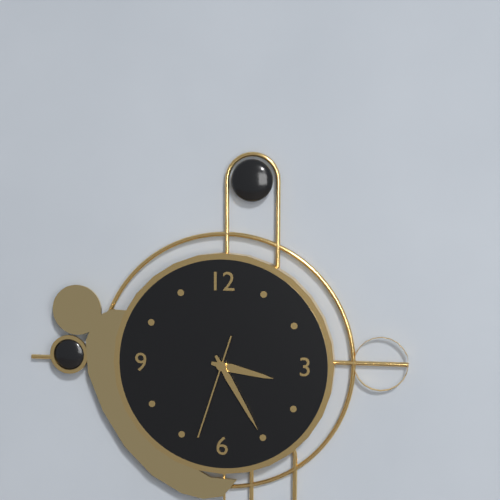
3.25.33
